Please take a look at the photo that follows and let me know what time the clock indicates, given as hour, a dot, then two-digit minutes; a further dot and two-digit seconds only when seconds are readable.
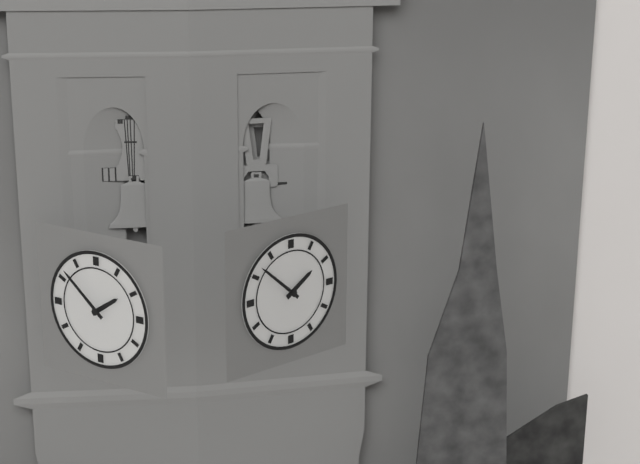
1.52
